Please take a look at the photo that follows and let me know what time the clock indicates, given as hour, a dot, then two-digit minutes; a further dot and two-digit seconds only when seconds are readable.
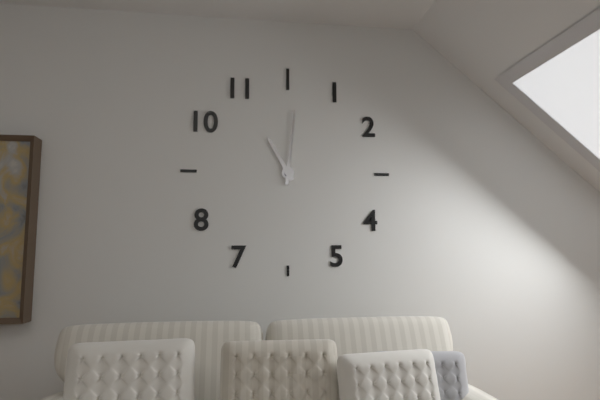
11.01
